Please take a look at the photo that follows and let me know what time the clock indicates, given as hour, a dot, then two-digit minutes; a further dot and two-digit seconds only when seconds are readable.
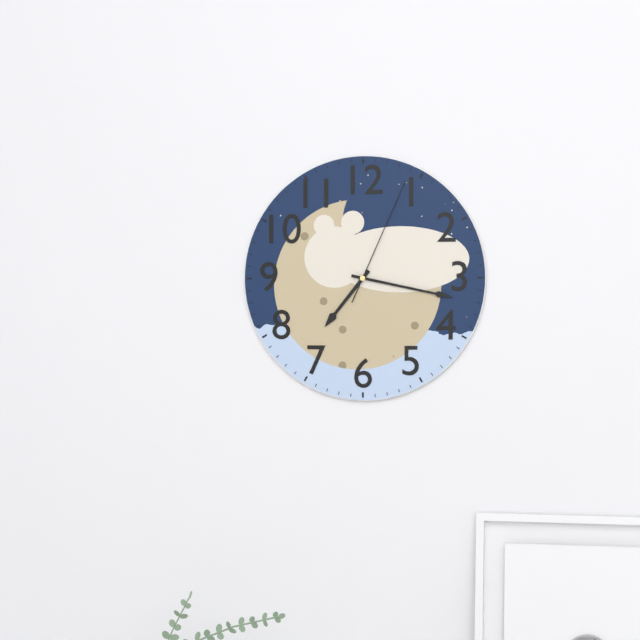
7.17.04
